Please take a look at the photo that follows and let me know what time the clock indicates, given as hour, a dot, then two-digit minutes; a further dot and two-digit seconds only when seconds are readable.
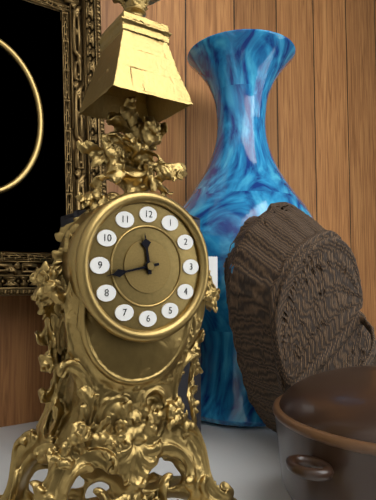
11.43
